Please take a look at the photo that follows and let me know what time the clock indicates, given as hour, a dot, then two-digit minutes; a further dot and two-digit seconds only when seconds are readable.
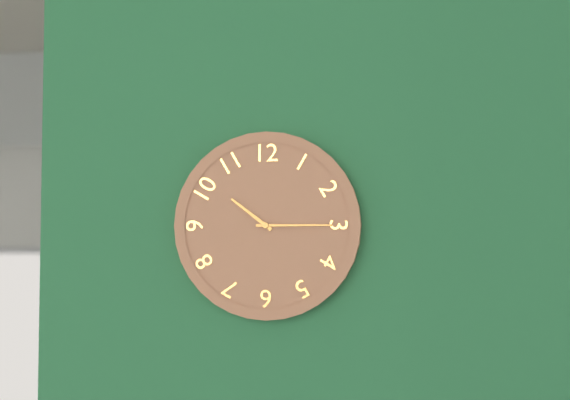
10.15
